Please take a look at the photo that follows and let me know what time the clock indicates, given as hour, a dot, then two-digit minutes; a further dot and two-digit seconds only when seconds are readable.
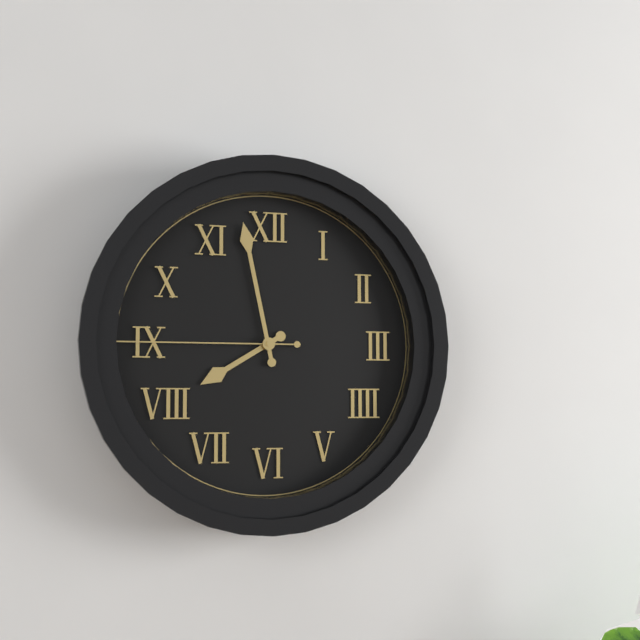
7.58.45
